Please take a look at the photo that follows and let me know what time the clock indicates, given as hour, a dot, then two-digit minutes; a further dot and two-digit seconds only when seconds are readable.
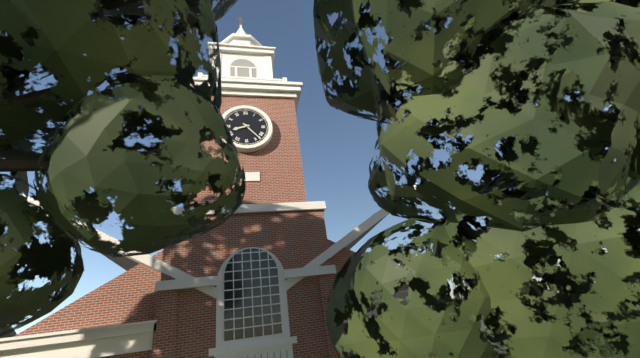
8.23
